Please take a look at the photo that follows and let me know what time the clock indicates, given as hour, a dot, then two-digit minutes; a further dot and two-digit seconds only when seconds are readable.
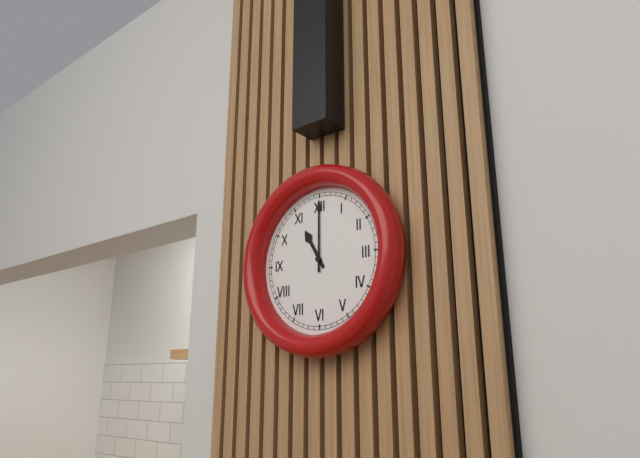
11.00
